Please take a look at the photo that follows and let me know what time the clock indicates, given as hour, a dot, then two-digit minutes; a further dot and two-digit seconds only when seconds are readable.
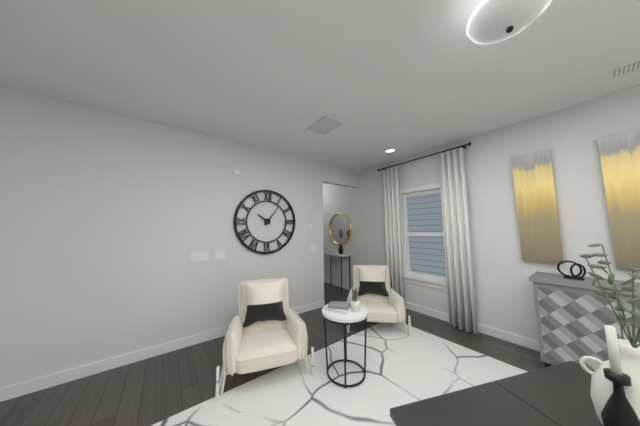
10.06
